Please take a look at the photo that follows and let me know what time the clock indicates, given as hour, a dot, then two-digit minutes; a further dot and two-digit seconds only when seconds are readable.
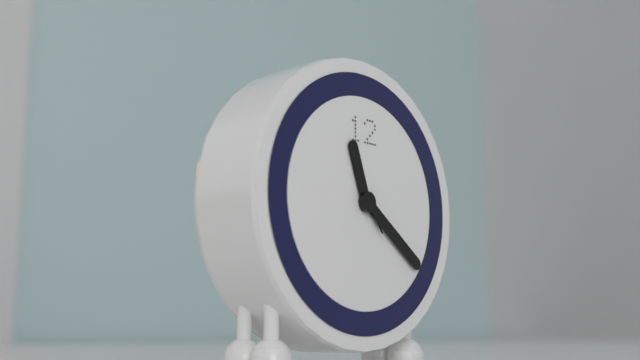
11.21.24
